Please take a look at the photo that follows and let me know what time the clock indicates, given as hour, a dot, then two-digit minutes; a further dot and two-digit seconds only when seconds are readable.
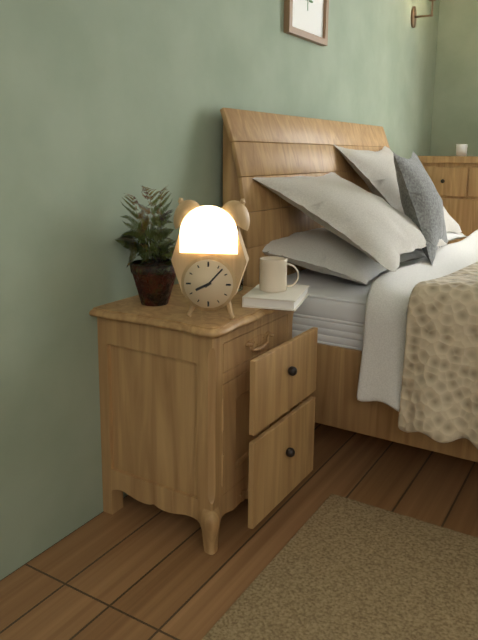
8.07
